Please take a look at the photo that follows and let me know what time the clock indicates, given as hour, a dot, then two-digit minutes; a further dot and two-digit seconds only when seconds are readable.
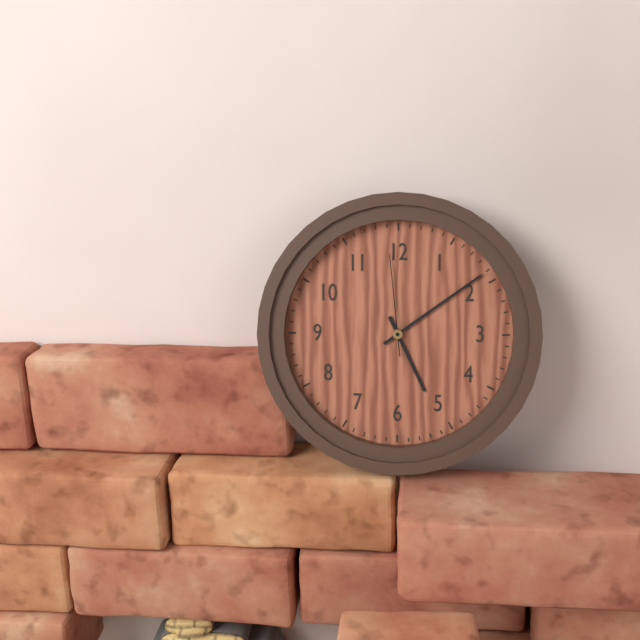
5.09.59
